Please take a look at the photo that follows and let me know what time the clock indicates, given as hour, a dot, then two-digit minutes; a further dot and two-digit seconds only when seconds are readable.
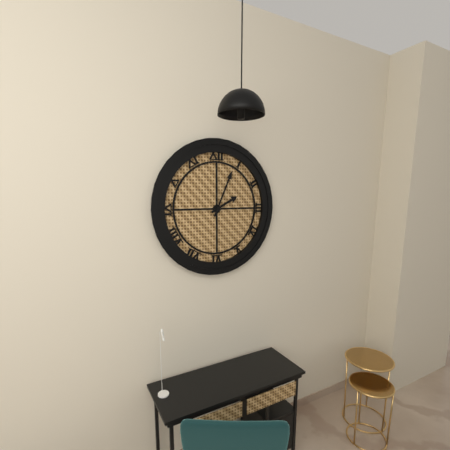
2.04
